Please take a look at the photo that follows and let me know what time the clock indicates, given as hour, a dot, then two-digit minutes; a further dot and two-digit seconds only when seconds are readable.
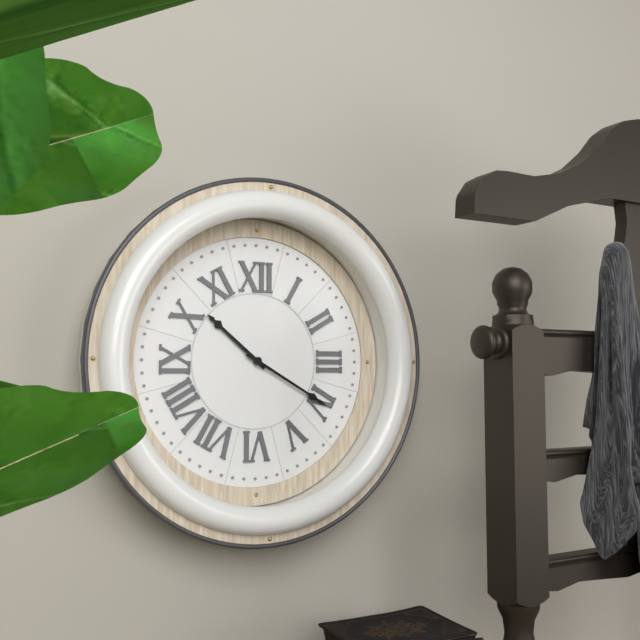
10.20
